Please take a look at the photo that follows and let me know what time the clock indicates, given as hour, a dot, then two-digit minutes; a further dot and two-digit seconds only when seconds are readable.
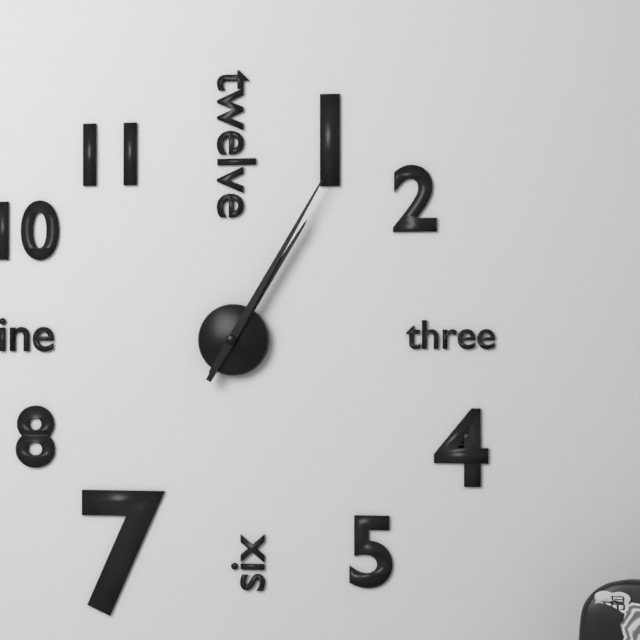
1.05
